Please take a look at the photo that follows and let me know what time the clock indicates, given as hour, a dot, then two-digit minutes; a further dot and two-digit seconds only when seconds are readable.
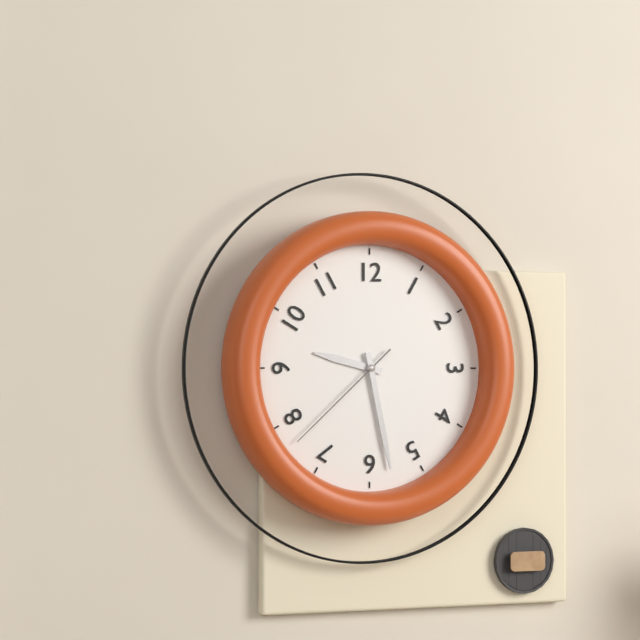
9.28.38
